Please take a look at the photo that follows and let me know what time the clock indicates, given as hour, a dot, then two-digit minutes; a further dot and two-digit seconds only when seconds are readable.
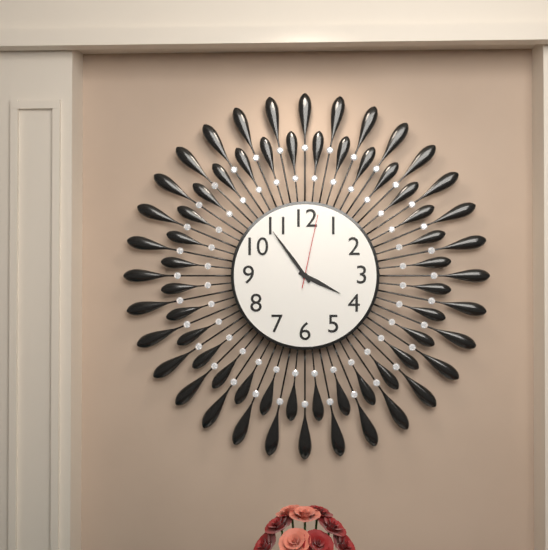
3.54.02
